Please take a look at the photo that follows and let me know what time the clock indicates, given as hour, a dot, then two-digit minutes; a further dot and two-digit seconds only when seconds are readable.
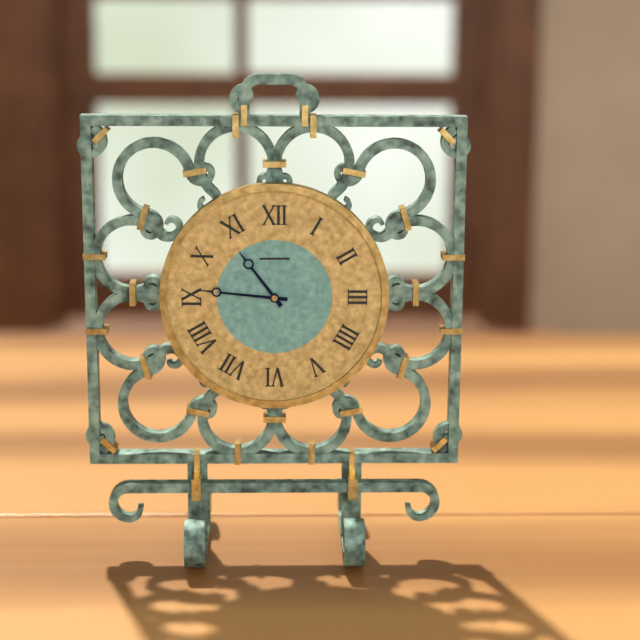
10.46
